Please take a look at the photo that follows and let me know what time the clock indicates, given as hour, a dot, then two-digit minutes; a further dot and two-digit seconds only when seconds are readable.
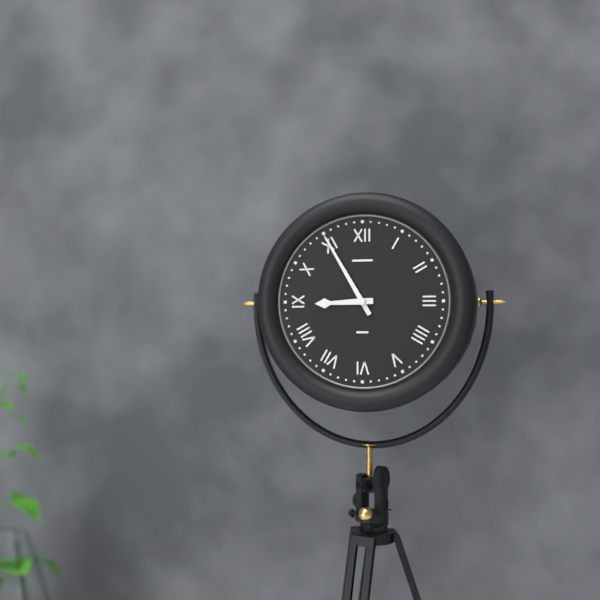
8.55
